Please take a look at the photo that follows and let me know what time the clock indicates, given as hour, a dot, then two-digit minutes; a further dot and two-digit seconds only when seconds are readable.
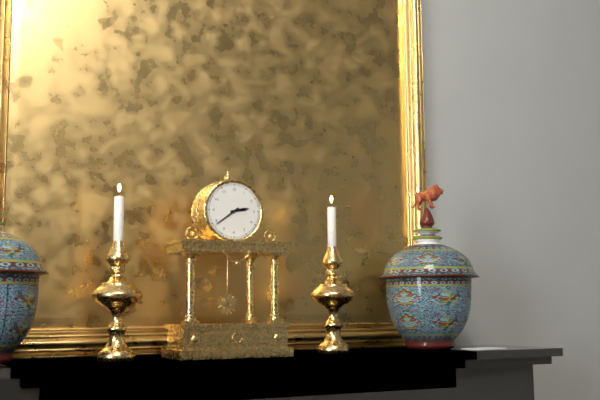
2.39
